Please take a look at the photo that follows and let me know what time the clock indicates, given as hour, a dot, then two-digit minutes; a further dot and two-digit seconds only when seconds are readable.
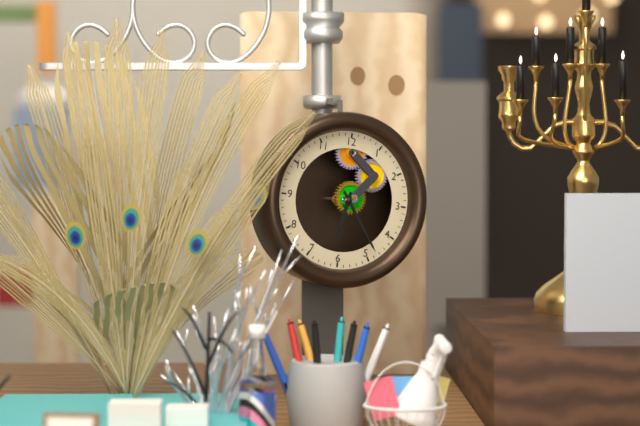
6.24
